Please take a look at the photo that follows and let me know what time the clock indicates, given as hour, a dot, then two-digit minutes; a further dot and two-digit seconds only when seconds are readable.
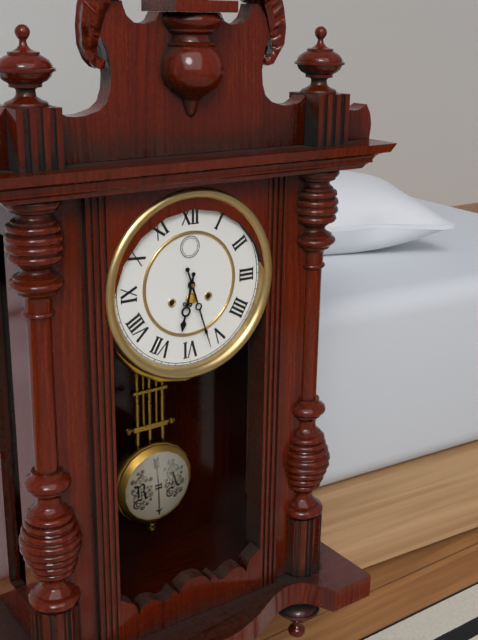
6.27
